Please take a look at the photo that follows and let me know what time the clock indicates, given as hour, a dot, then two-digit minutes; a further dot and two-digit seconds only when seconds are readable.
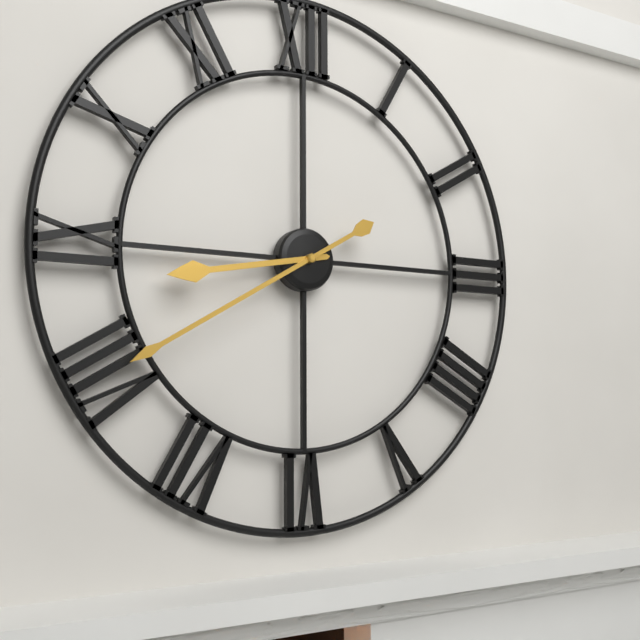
8.40
